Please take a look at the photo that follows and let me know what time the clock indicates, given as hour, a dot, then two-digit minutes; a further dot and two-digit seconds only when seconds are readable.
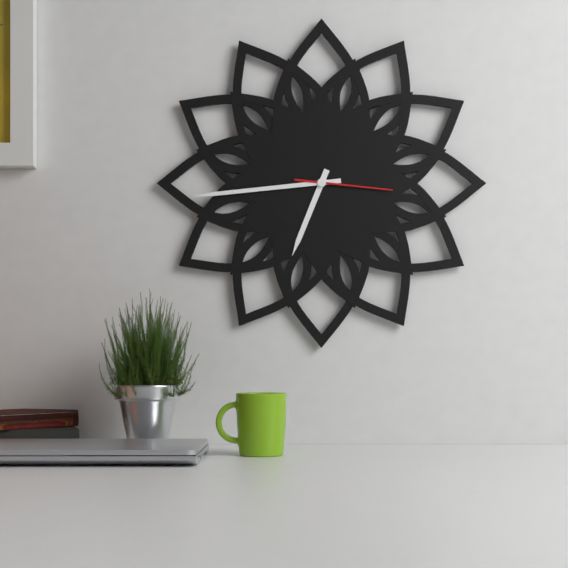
6.44.16
